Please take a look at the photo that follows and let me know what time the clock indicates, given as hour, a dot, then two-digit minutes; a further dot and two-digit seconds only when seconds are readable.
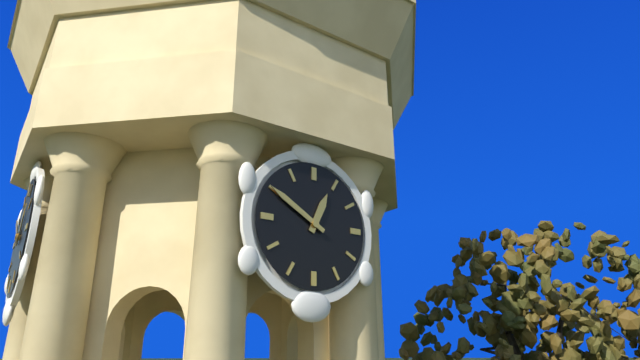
12.50
